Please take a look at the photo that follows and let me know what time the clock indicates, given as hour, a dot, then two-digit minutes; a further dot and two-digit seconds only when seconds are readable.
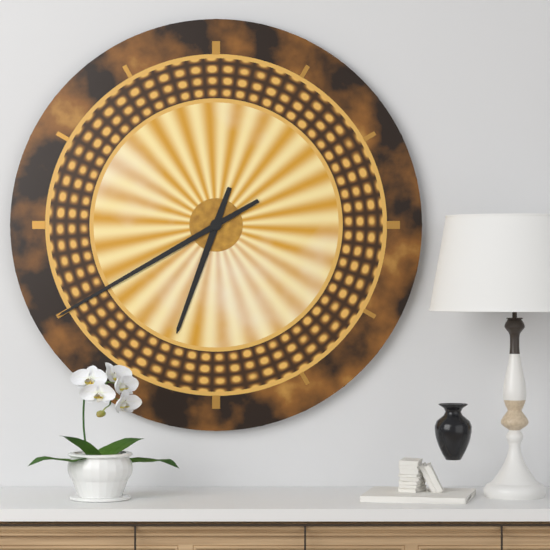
6.40
